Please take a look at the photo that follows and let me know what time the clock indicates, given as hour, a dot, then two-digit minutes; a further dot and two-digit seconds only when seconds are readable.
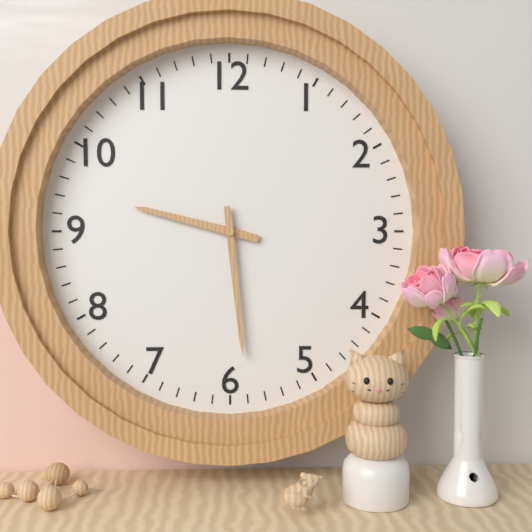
9.29
